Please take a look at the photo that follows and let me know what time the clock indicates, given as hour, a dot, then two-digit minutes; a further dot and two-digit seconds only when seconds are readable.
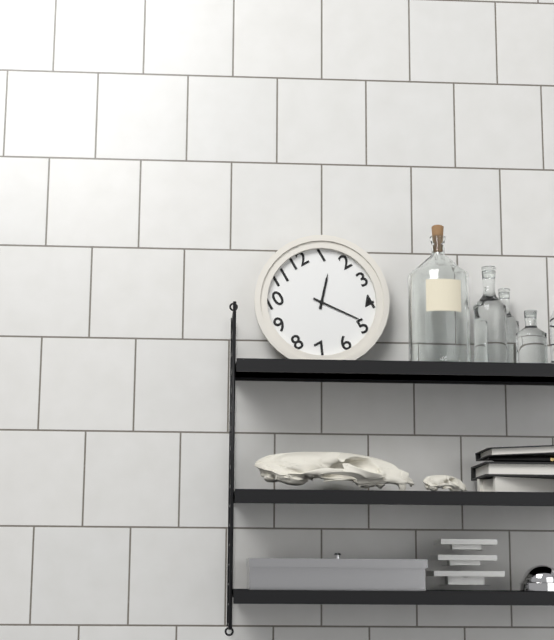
1.24
